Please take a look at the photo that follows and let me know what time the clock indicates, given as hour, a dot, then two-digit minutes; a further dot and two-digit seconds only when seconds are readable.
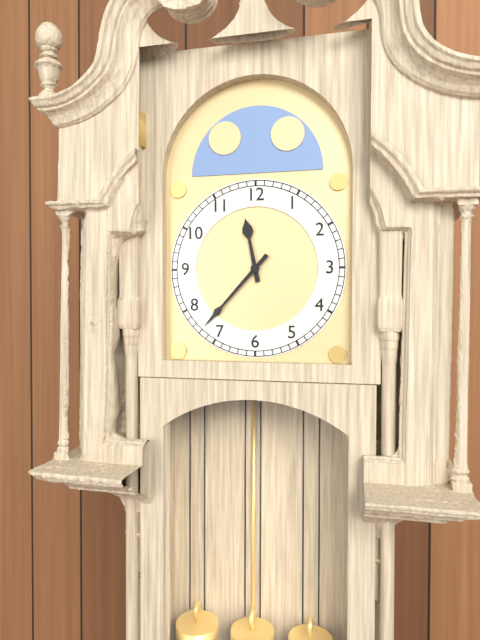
11.37
